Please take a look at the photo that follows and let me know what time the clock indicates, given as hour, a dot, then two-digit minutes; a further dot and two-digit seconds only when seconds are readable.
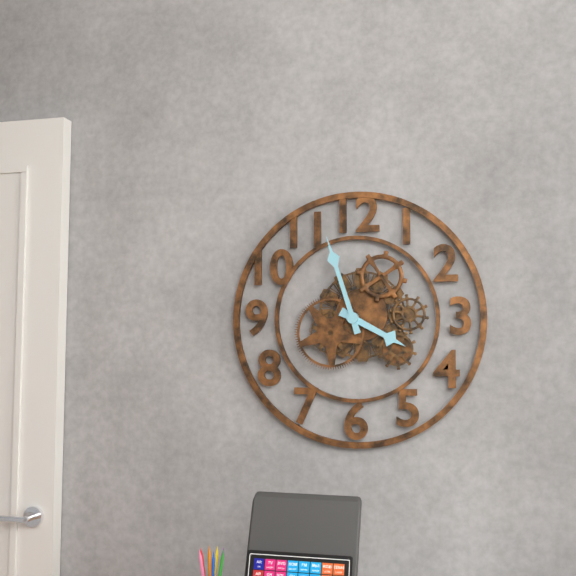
3.57
